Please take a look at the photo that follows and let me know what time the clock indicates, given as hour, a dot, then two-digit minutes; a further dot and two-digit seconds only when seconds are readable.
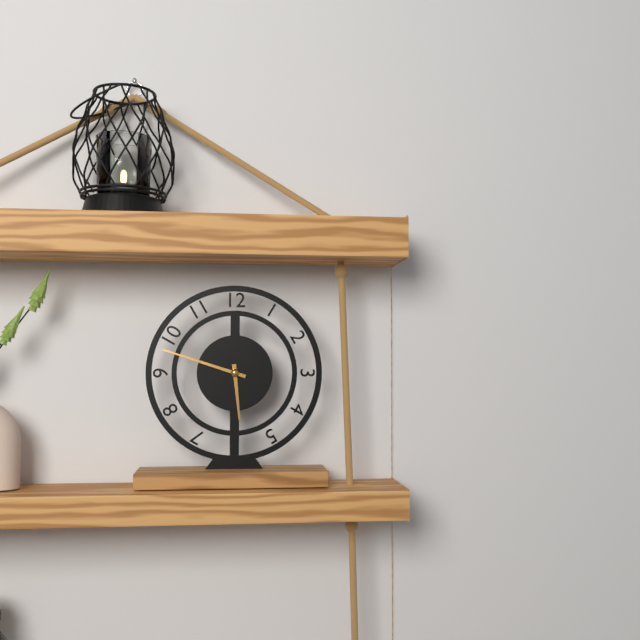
5.48
